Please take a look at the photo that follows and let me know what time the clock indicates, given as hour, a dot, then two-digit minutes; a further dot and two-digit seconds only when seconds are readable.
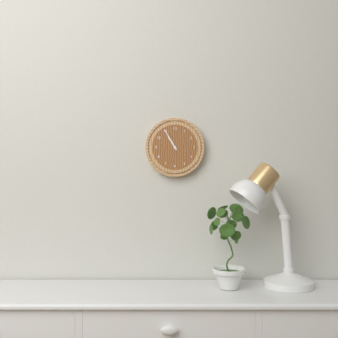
10.55
